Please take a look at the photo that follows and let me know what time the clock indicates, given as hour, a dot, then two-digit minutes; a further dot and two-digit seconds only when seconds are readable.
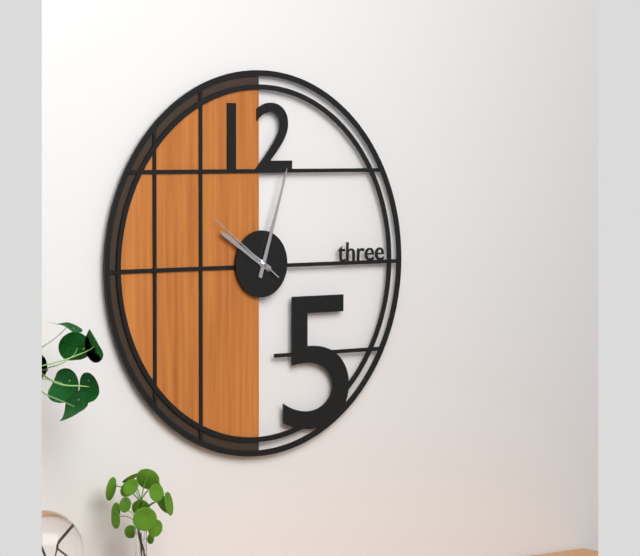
10.03.51
